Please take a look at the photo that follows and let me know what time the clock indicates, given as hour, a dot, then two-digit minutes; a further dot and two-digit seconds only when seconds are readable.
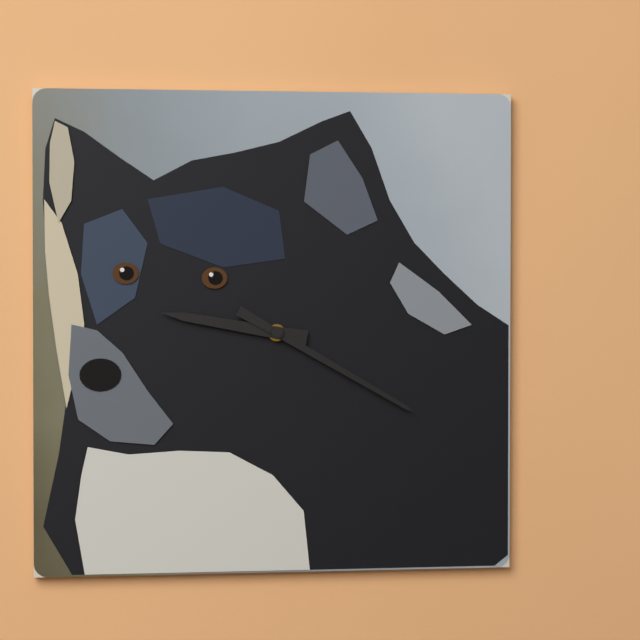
9.20
